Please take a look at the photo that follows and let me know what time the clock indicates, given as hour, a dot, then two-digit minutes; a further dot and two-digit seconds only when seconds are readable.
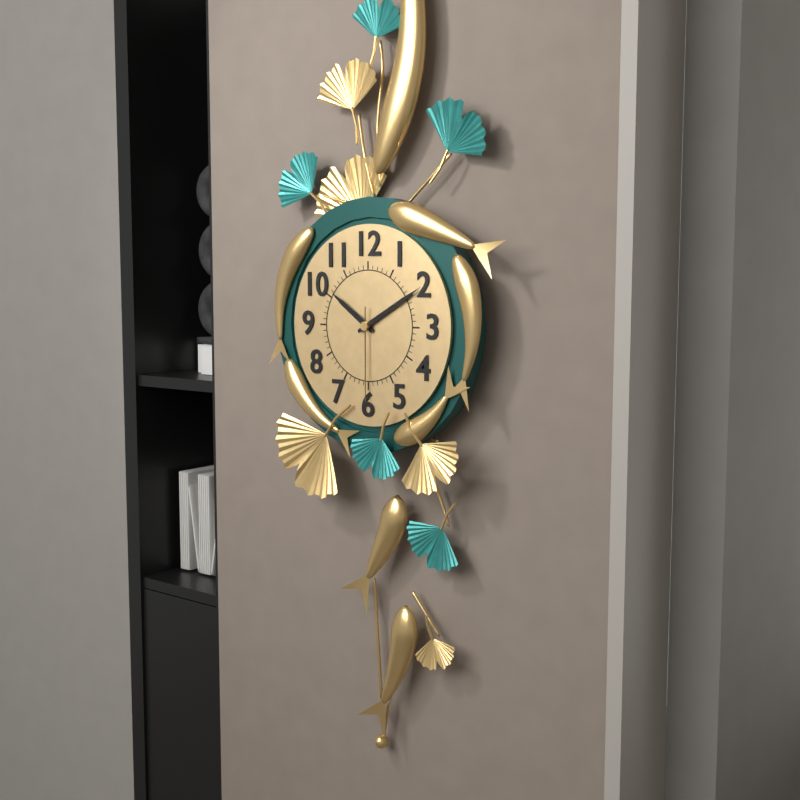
10.10.30
